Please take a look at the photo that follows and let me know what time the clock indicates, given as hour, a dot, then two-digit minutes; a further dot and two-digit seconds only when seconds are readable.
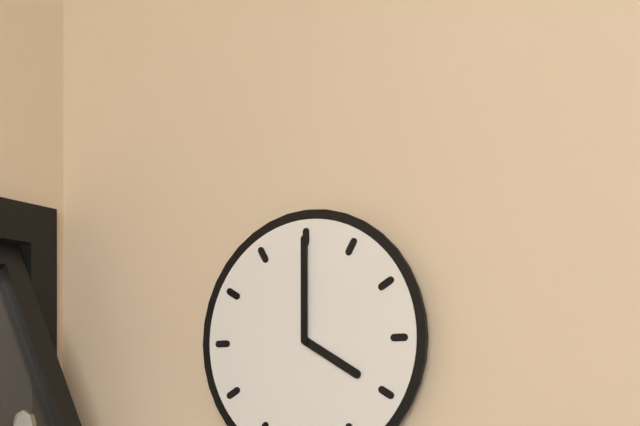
4.00
